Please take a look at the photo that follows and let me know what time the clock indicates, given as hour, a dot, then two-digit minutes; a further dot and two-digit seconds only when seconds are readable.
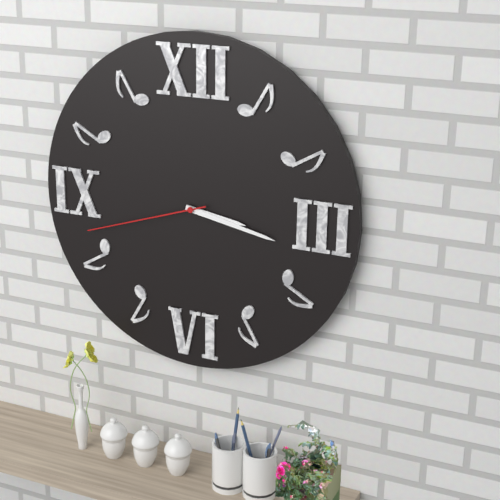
3.17.42
